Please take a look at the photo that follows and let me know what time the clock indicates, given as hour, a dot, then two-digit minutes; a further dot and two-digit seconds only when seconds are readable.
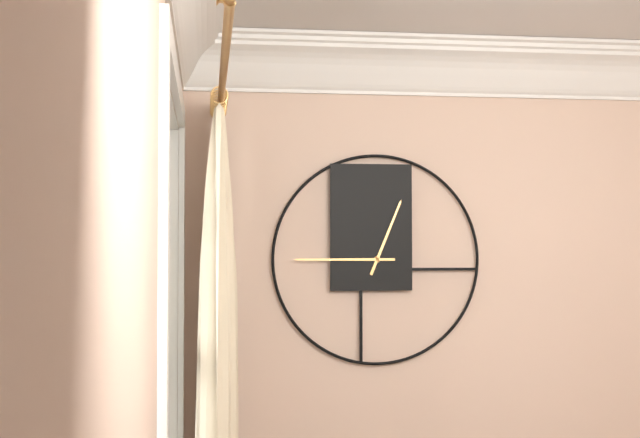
12.45
